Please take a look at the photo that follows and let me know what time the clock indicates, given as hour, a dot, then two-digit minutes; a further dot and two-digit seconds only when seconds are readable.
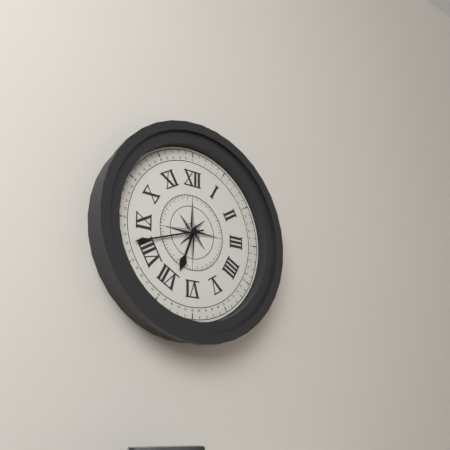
6.42
